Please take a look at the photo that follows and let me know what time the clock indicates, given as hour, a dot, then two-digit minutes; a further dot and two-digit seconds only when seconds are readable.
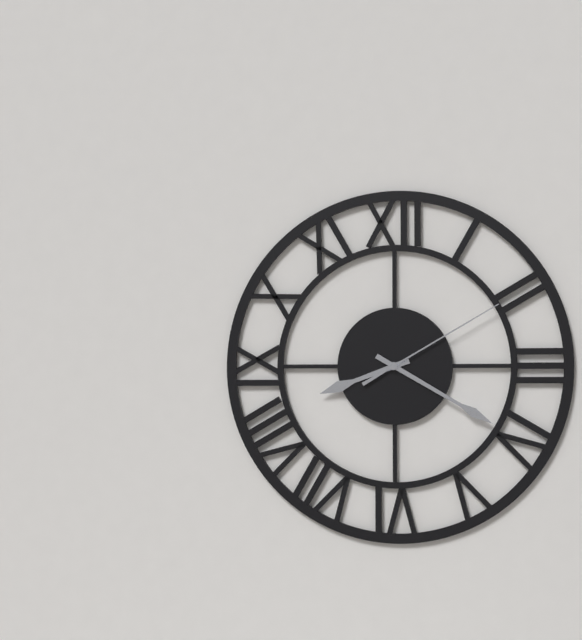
8.20.10
